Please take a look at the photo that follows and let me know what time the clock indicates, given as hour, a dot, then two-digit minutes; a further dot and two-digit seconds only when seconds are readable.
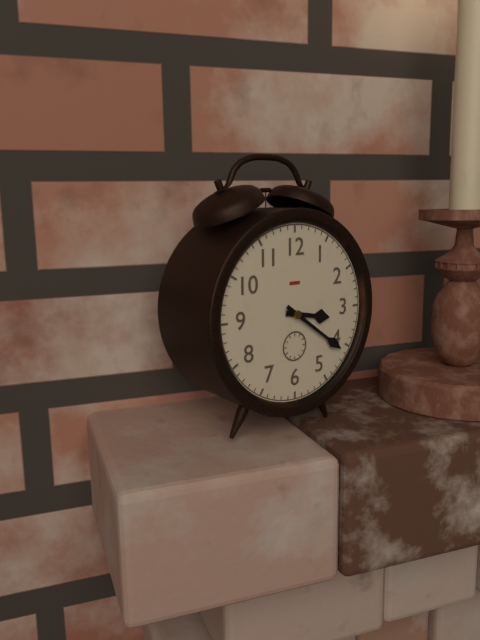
3.21
